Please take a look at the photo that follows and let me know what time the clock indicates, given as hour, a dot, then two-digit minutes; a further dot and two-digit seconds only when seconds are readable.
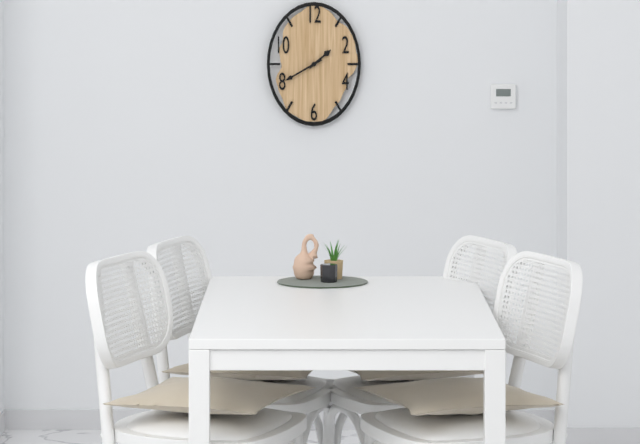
1.40
